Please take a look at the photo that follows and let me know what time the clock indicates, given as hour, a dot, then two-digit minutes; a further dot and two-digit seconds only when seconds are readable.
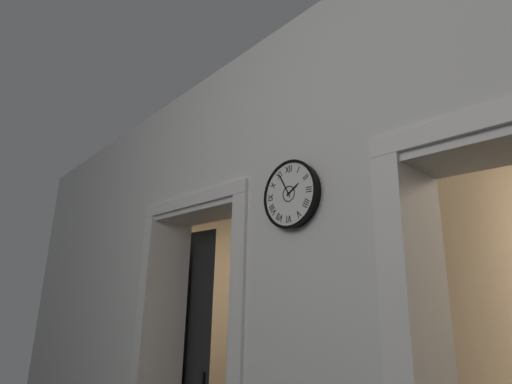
1.55
